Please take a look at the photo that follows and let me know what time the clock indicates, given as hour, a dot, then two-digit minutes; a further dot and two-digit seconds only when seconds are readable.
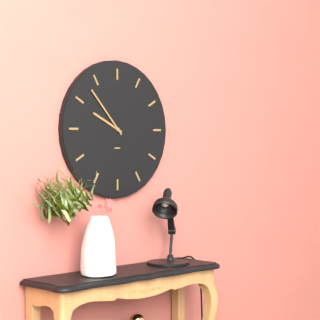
9.53
